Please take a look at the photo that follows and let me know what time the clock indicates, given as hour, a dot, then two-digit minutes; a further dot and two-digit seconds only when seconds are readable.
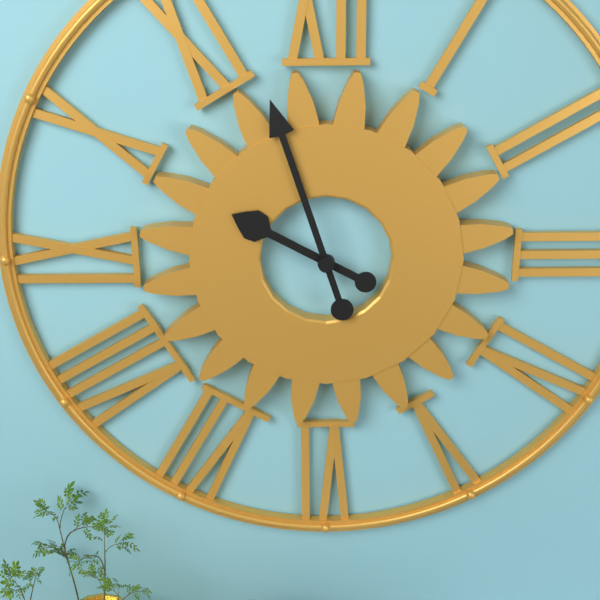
9.57
